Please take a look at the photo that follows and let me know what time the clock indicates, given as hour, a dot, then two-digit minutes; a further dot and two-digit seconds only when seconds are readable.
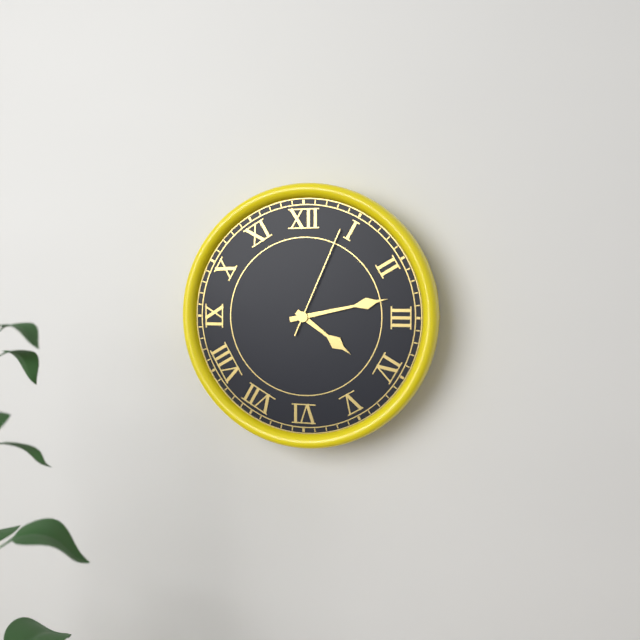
4.13.04
